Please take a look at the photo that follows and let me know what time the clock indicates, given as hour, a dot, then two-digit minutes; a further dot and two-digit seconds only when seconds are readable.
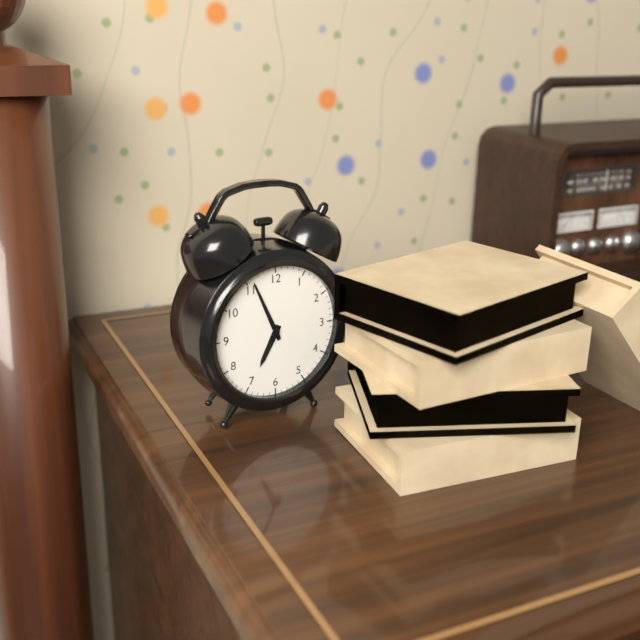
6.56
